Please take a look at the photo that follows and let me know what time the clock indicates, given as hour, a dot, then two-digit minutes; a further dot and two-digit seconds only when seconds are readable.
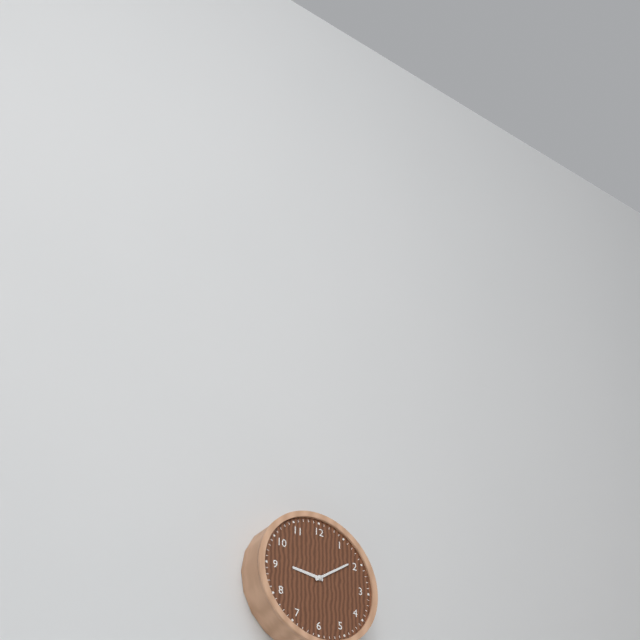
9.09
